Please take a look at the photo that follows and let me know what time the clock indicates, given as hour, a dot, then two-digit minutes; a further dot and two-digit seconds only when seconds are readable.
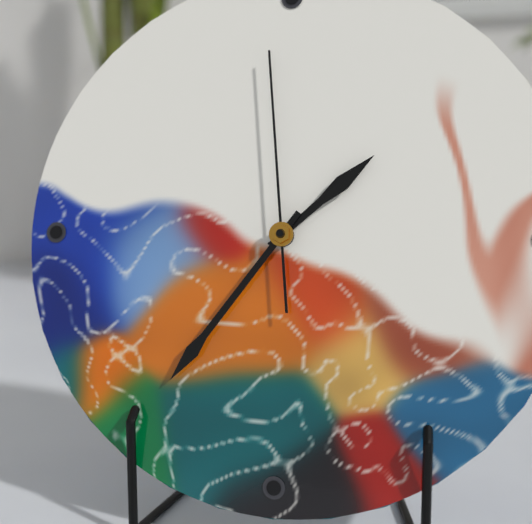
1.36.59
